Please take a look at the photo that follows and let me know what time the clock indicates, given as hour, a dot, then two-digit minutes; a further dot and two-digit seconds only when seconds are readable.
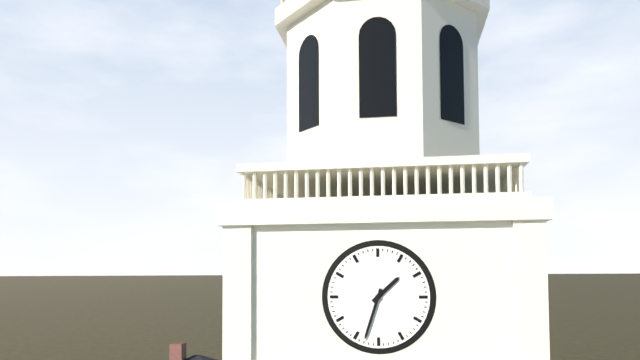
1.33
